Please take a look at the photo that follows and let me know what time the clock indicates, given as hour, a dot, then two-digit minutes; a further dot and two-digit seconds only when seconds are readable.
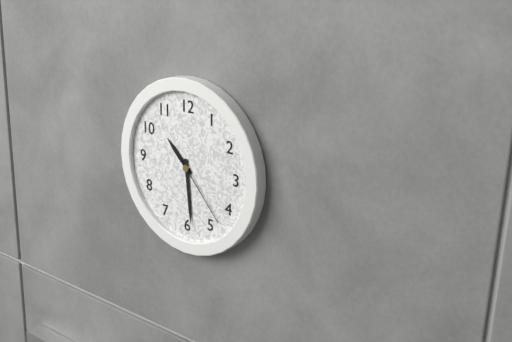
10.29.23
